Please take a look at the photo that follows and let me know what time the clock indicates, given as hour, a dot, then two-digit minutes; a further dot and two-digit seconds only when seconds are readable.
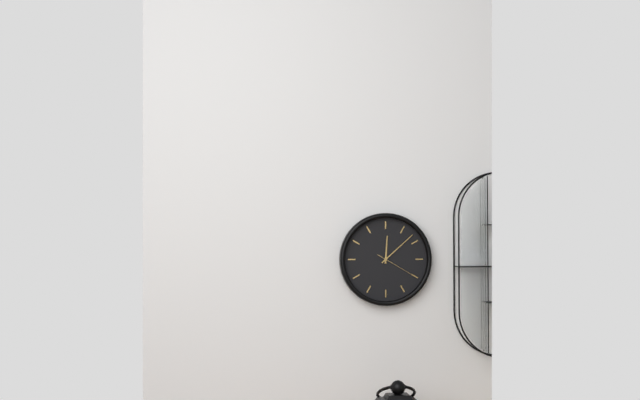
12.08
